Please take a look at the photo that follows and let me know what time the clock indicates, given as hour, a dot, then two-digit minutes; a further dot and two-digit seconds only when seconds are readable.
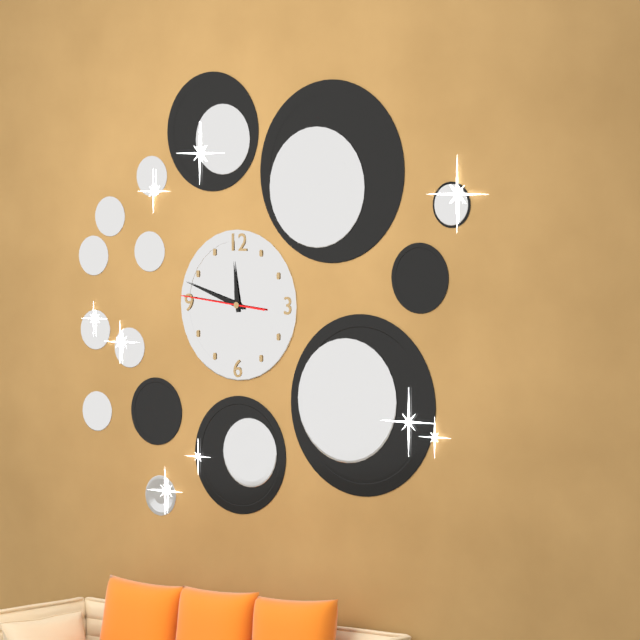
11.48.46
